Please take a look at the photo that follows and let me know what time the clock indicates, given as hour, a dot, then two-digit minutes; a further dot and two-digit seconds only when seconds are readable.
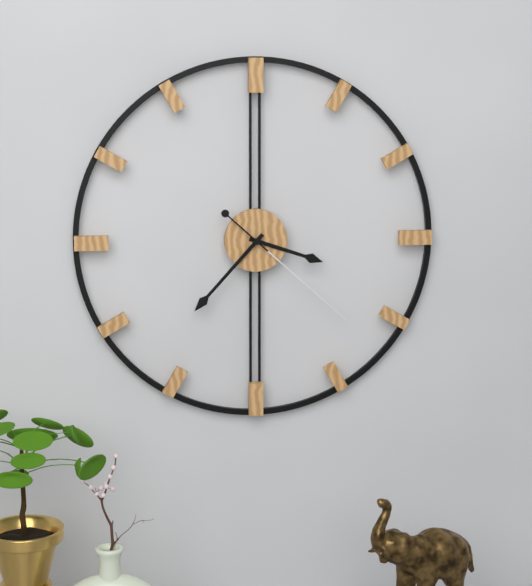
3.37.22
